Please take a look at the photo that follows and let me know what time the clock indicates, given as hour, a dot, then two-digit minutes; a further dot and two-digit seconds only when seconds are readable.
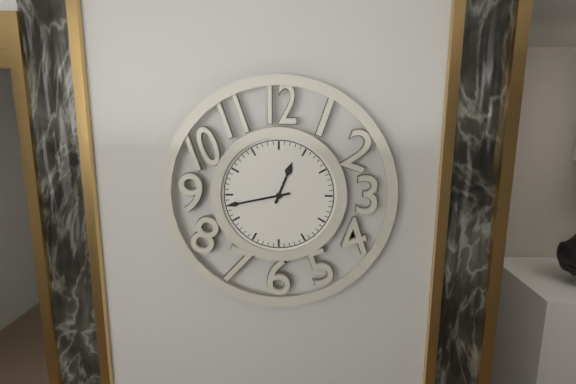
12.43
